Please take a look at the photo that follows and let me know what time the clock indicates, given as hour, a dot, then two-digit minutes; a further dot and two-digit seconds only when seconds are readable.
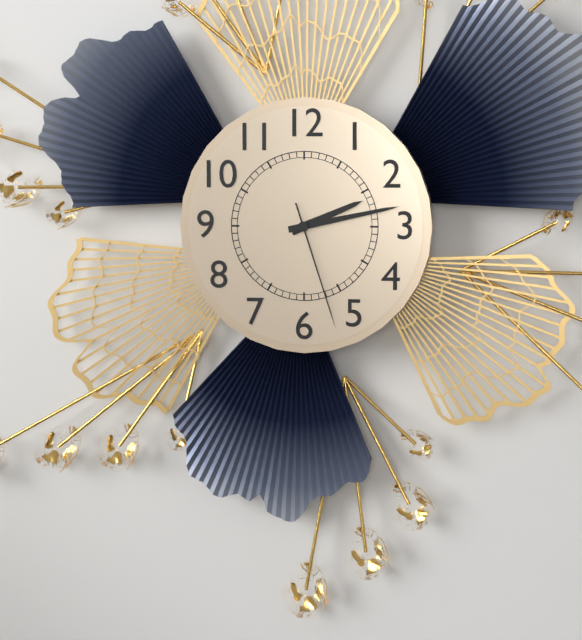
2.13.27
